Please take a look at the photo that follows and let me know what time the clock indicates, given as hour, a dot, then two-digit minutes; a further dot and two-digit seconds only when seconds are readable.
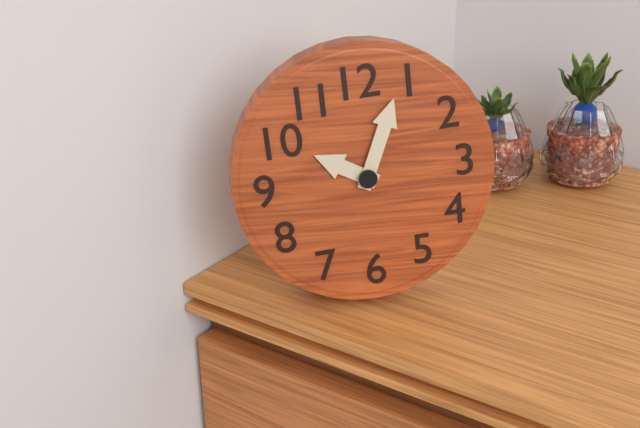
10.04
